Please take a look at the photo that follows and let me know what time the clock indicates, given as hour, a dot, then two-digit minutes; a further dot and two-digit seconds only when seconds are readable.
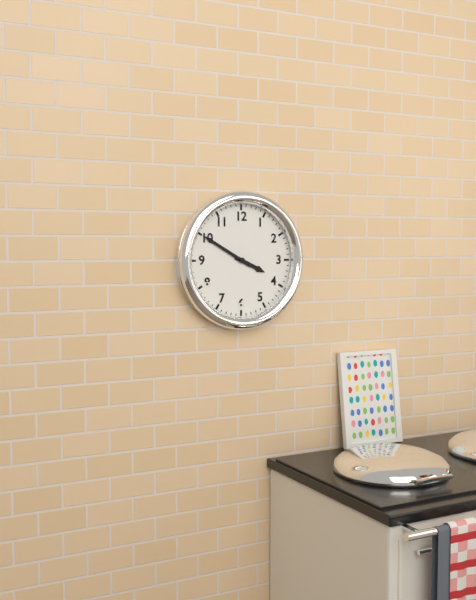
3.50
